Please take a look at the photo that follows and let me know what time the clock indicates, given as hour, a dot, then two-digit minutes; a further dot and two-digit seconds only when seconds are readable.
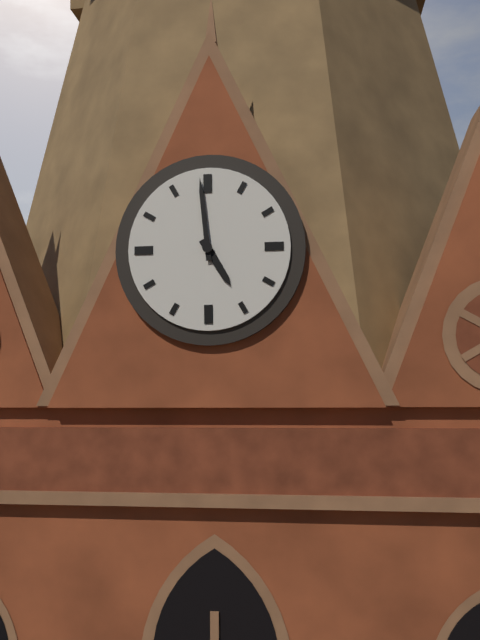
4.59
